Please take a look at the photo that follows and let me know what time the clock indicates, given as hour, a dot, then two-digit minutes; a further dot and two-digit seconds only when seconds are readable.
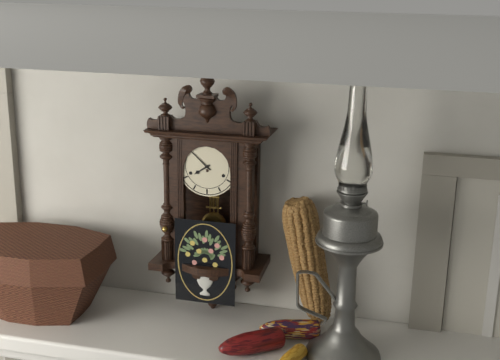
7.52
